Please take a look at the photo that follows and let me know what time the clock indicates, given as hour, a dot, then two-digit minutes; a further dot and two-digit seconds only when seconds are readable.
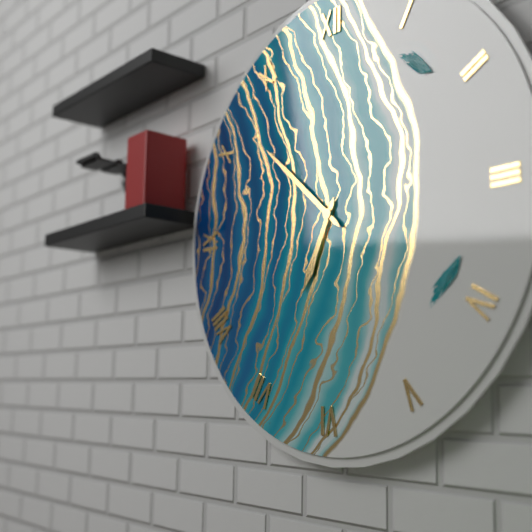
6.52
